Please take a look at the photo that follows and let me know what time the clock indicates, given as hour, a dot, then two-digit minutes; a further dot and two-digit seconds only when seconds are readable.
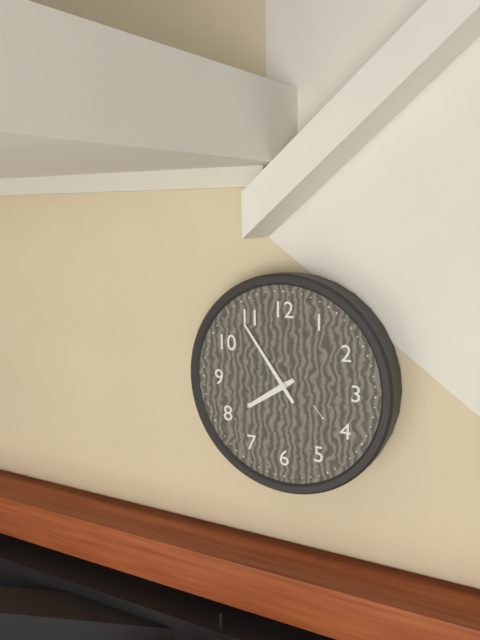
7.54
